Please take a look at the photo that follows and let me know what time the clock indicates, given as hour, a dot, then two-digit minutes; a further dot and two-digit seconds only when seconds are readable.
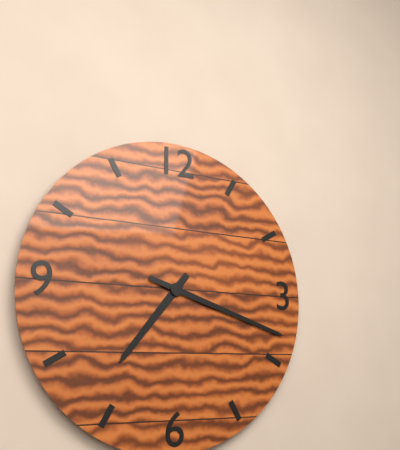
7.18
